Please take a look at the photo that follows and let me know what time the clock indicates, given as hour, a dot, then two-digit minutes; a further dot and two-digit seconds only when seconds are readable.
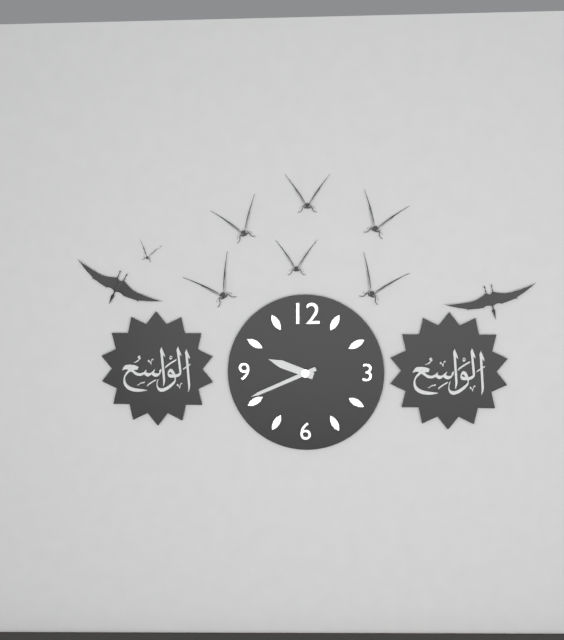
9.41
